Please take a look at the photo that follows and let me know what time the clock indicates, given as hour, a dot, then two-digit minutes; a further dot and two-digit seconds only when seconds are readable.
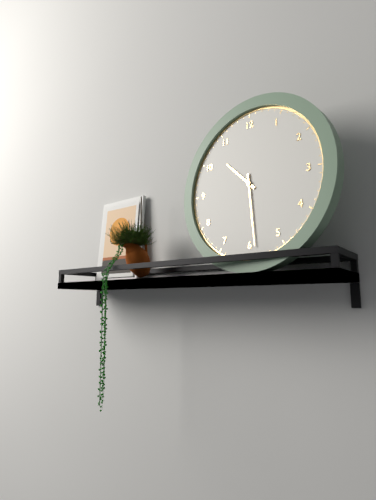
10.29
